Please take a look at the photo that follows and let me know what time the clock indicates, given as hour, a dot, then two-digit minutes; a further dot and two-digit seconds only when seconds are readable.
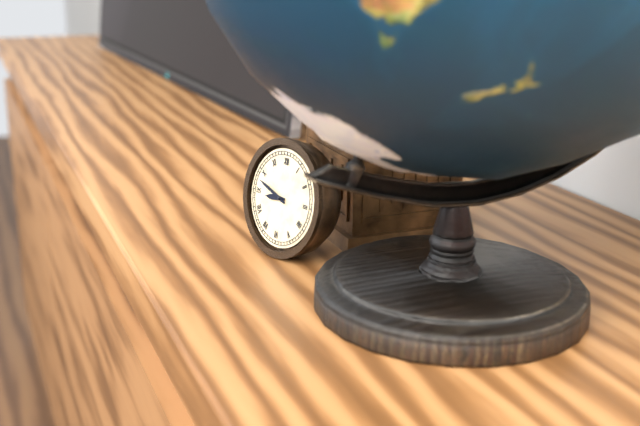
8.48
